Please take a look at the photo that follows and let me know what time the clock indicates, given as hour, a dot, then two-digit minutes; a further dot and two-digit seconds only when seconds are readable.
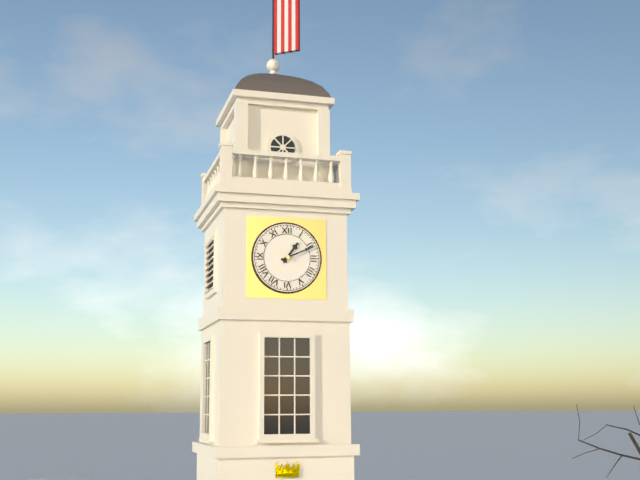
1.11
